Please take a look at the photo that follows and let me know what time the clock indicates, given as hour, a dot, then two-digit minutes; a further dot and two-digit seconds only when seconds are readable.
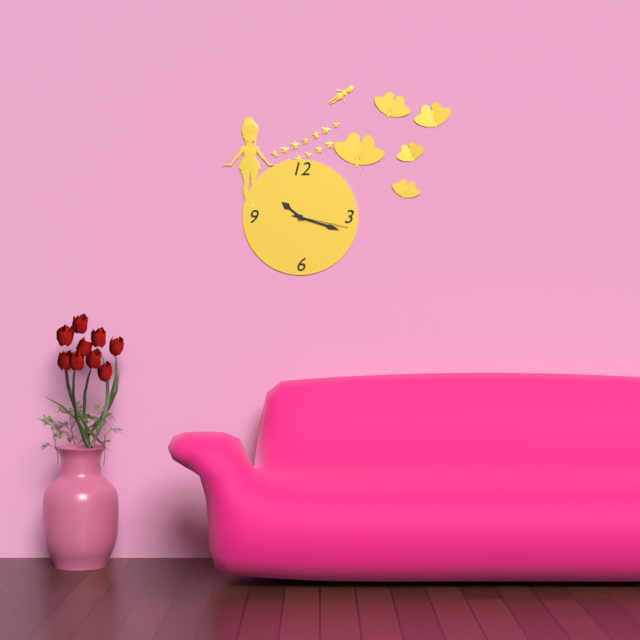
10.18.17
